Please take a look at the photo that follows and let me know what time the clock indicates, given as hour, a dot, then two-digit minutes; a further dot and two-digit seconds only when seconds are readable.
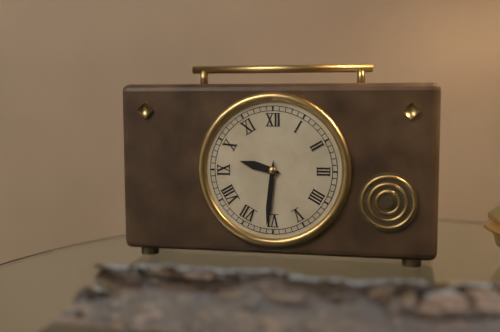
9.31
